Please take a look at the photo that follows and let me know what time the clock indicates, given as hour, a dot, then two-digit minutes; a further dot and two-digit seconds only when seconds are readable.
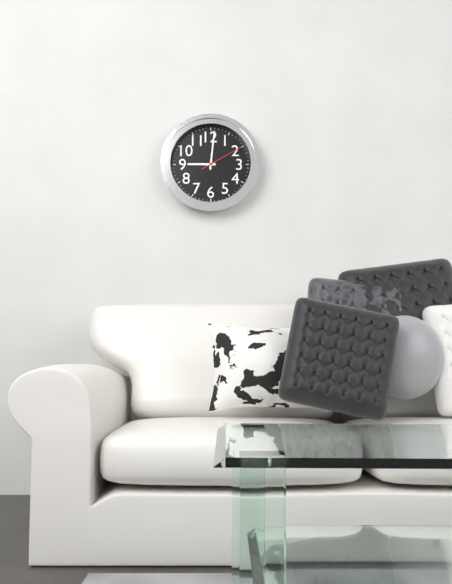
9.01
